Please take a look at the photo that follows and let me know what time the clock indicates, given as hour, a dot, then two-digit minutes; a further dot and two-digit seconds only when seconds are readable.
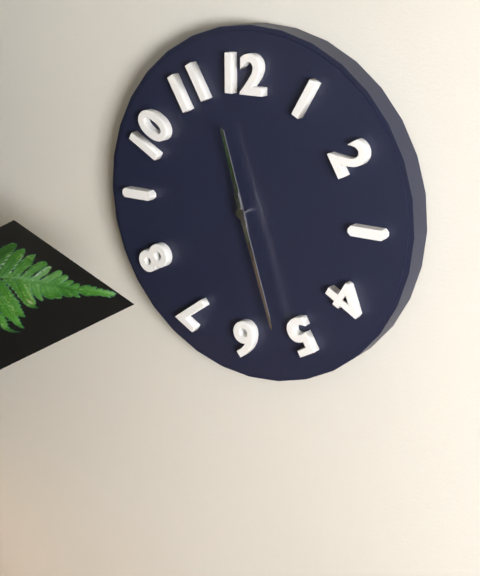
11.27
